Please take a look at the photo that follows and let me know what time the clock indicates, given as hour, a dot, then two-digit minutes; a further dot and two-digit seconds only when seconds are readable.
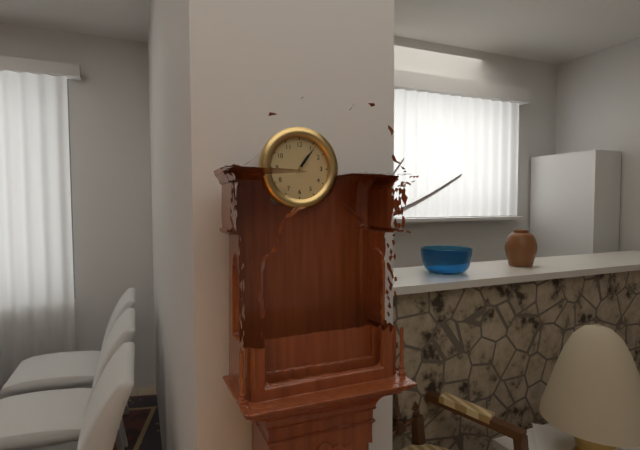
1.06
